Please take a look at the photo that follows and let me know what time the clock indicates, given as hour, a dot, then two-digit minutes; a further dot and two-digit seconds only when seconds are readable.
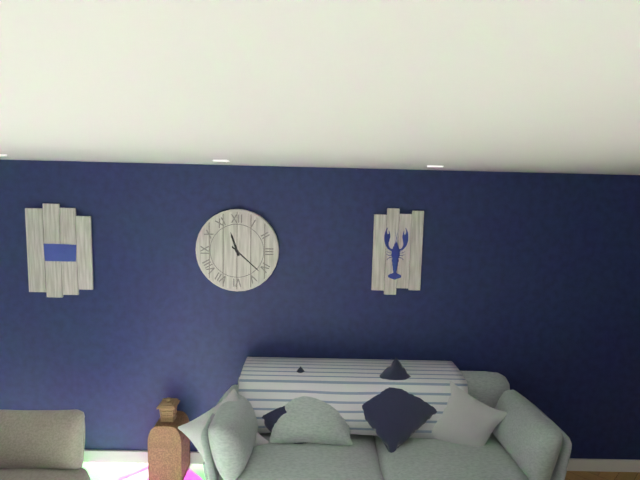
11.22
